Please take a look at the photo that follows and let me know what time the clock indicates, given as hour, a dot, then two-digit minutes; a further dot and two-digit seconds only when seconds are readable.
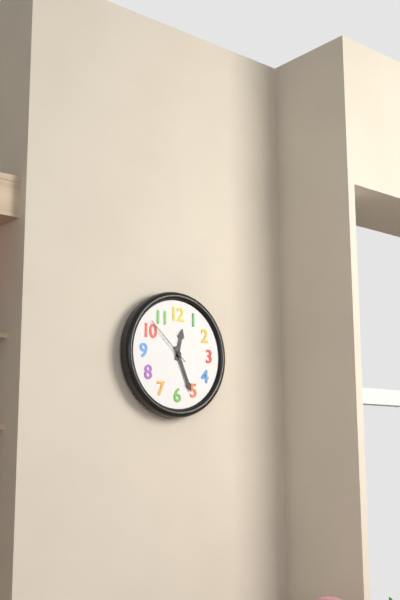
12.26
